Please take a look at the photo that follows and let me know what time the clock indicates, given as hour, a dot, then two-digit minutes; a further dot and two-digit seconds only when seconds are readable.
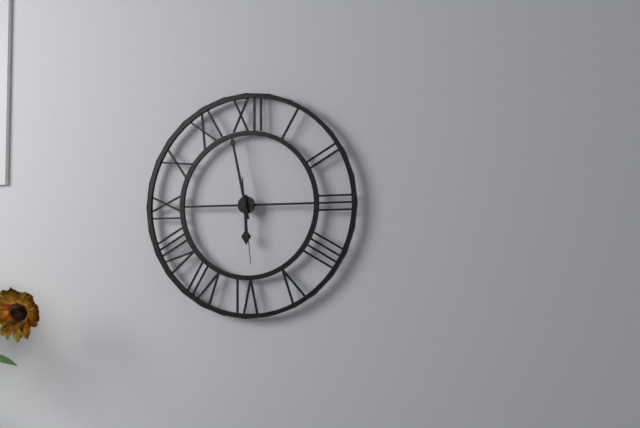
5.58.29
